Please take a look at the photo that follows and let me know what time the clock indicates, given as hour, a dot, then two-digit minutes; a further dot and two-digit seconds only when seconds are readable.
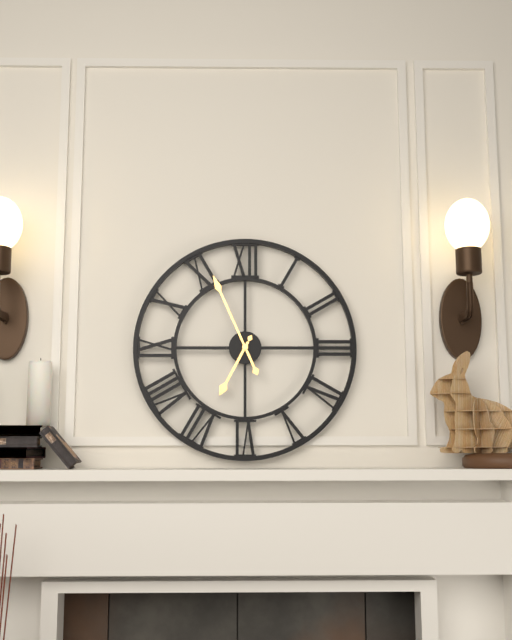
6.56
